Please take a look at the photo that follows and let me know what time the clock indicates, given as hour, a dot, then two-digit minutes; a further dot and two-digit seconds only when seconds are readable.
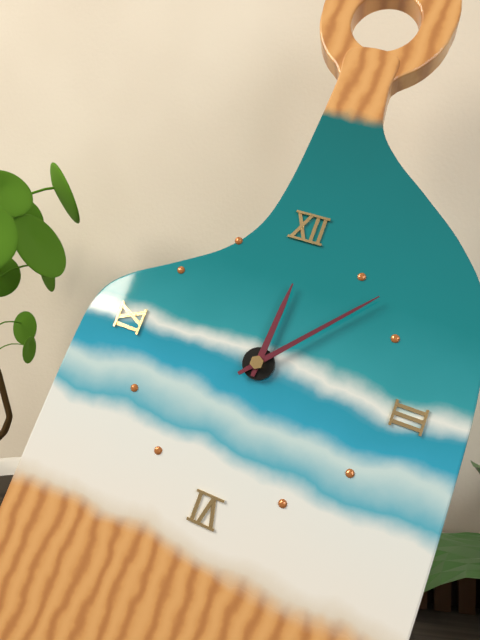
12.07
